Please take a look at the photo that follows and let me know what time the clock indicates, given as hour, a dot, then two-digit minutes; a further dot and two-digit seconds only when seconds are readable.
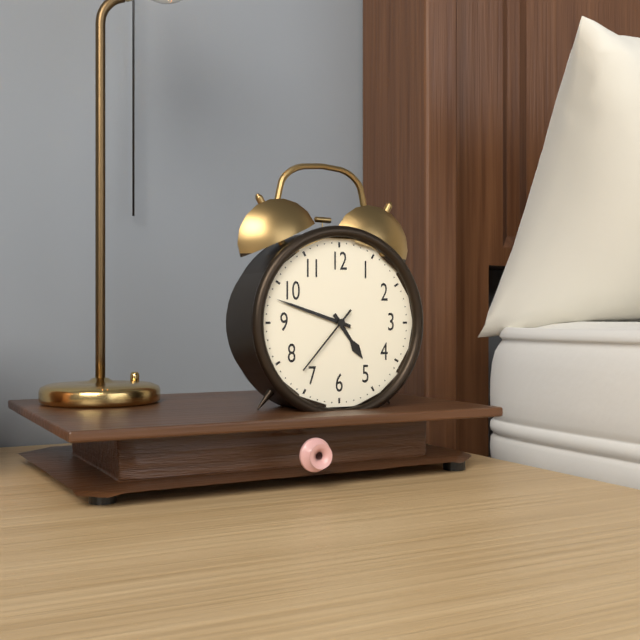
4.48.37
